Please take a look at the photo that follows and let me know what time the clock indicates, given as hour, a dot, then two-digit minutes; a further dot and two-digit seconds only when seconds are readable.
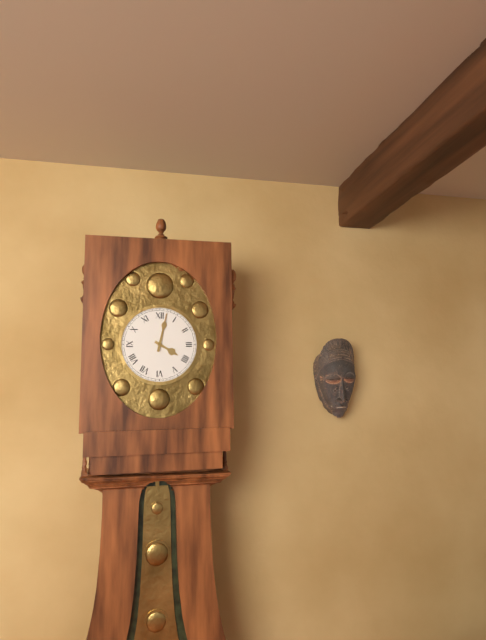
4.02
